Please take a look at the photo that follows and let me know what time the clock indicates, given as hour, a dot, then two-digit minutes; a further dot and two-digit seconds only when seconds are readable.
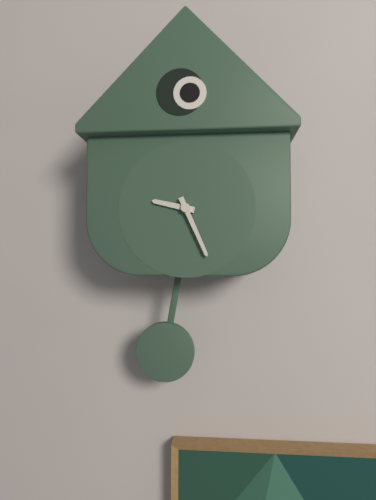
9.26
